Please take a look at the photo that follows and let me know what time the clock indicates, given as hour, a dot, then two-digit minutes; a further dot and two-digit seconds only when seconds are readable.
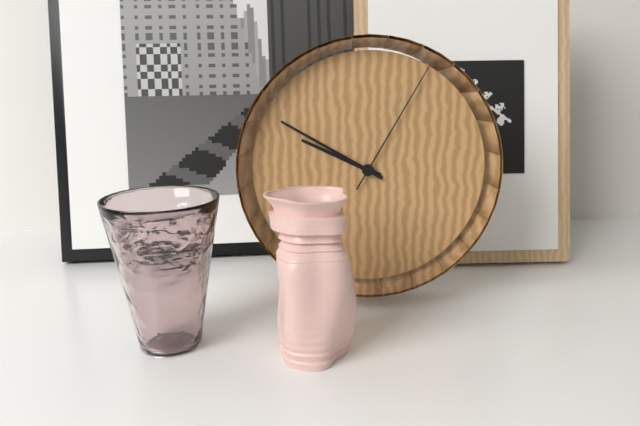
9.50.05
